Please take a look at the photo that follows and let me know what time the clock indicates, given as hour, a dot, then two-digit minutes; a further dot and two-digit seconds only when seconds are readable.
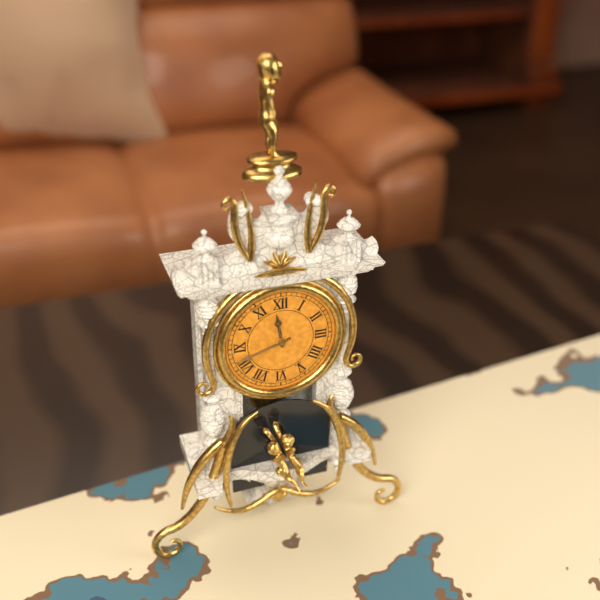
11.42
